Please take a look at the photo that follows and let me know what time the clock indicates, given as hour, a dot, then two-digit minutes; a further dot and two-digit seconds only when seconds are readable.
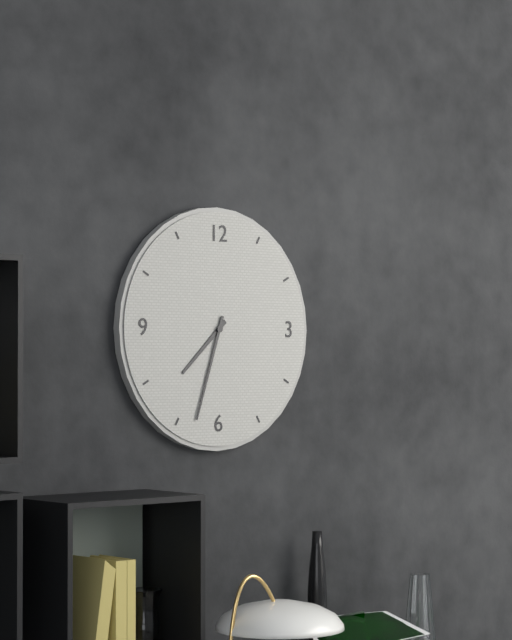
7.33
